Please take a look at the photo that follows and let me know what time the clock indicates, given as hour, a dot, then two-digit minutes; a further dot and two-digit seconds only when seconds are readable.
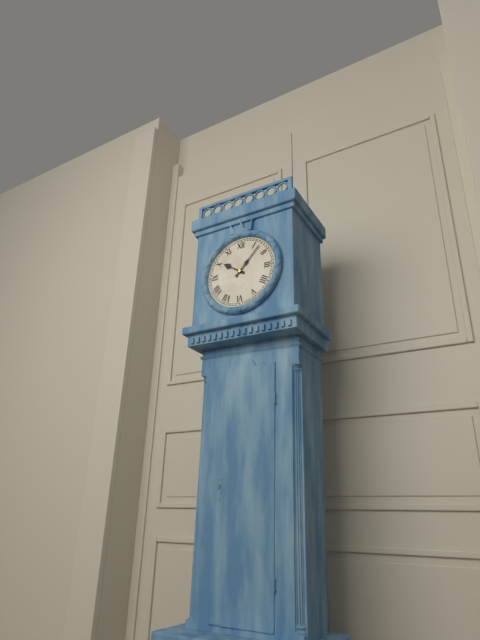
10.07
